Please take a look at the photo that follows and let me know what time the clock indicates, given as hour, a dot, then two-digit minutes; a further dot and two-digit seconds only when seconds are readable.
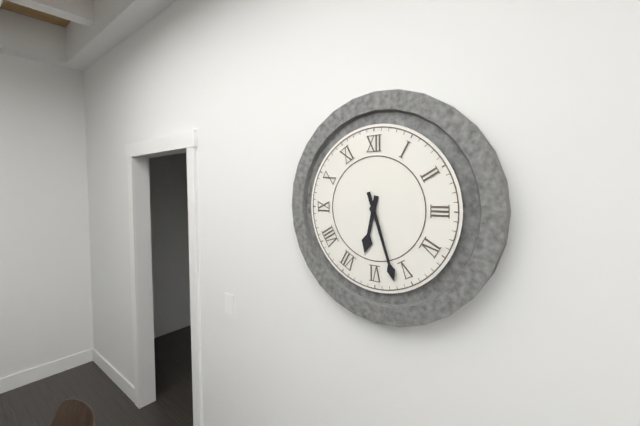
6.27
